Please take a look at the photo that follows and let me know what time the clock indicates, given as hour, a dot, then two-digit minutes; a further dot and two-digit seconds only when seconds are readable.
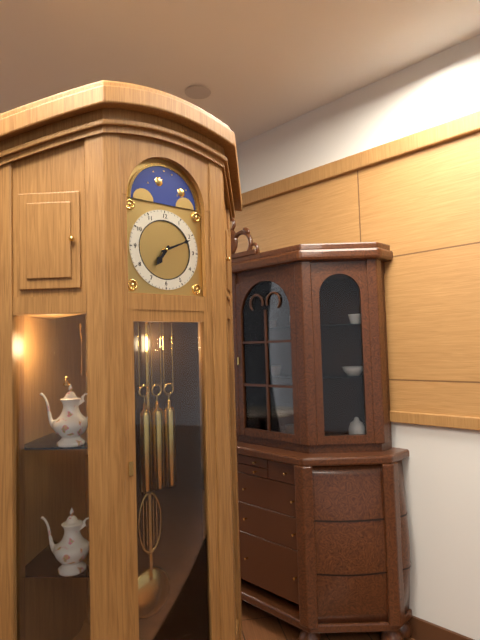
7.11
